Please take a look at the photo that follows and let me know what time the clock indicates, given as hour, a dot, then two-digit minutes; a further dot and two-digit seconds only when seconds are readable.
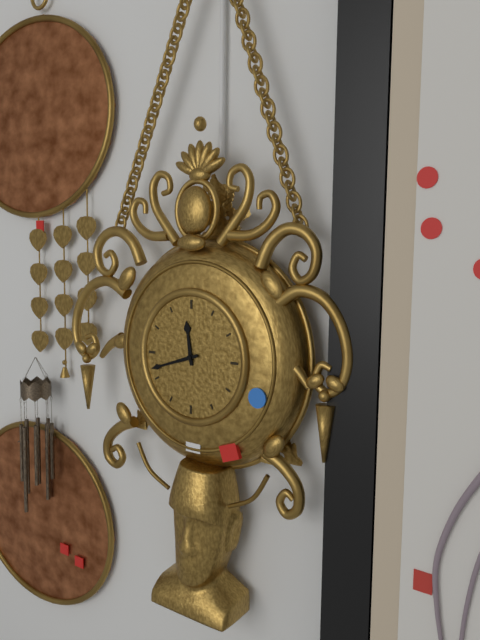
11.42
